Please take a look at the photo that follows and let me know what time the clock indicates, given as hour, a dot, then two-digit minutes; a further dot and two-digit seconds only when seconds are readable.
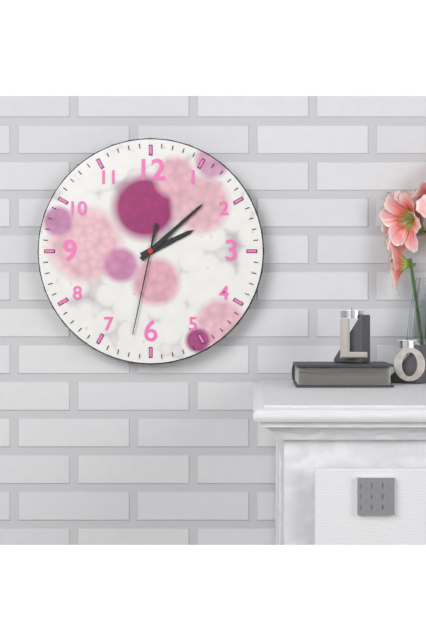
2.08.32
